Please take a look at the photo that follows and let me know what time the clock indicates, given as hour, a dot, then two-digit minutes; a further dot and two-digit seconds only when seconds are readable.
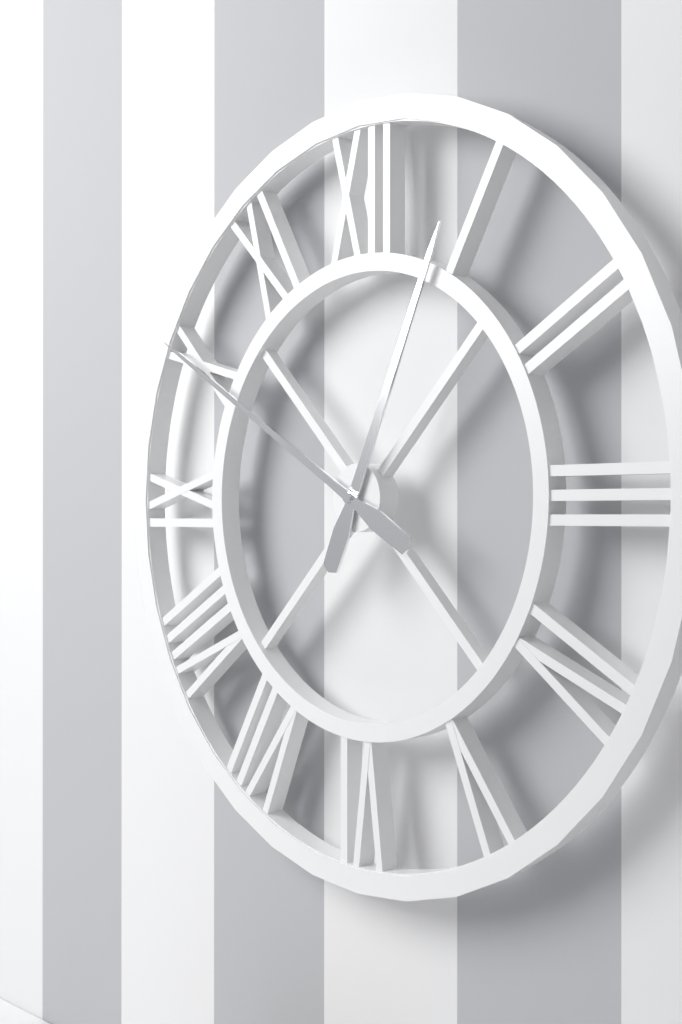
12.50
